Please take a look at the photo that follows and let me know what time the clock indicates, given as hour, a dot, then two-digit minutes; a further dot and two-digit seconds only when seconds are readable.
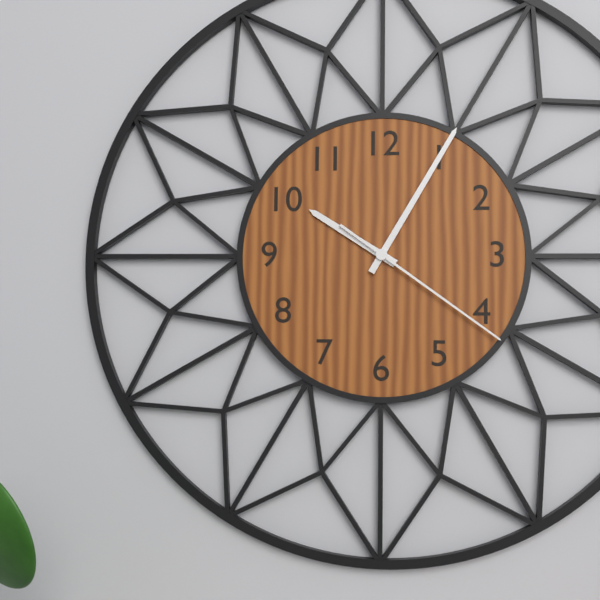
10.05.21
